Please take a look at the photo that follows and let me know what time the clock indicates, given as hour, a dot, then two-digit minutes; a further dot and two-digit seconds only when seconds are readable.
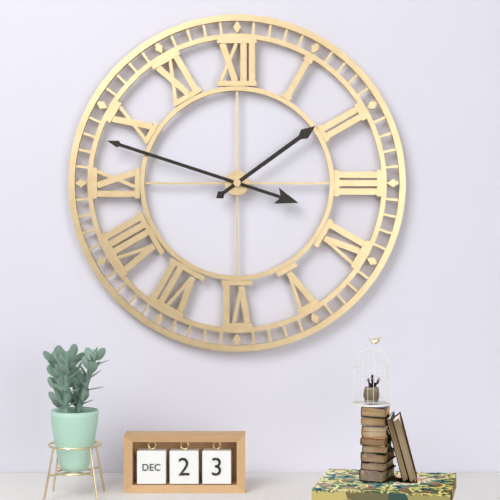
1.48
